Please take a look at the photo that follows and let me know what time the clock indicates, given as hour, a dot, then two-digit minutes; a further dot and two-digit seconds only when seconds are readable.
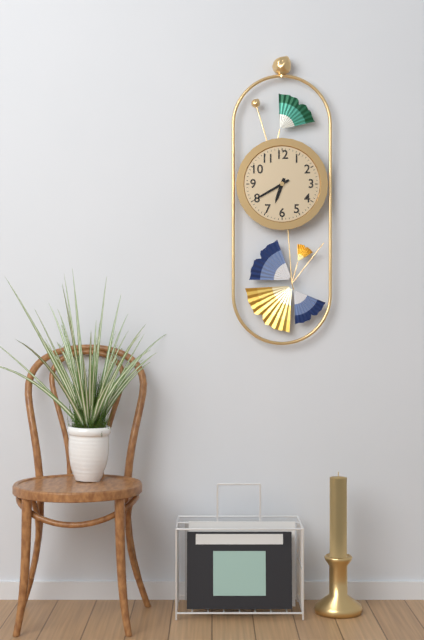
6.40
